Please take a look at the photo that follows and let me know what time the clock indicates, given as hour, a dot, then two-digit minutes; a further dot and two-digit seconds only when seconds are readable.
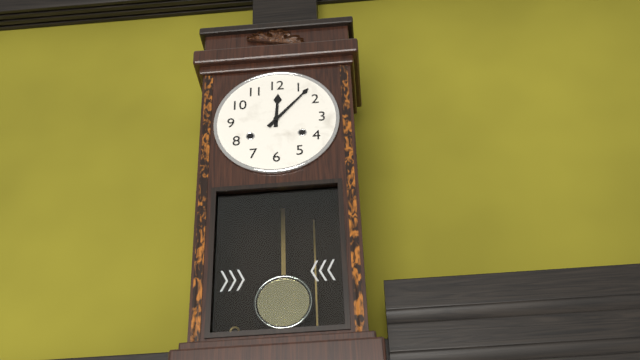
12.07
